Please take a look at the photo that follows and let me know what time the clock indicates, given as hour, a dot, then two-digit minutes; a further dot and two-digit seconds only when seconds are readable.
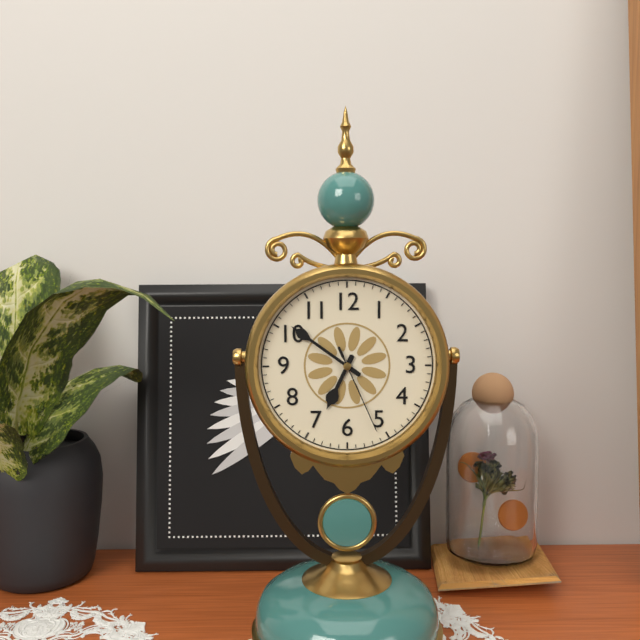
6.51.26
